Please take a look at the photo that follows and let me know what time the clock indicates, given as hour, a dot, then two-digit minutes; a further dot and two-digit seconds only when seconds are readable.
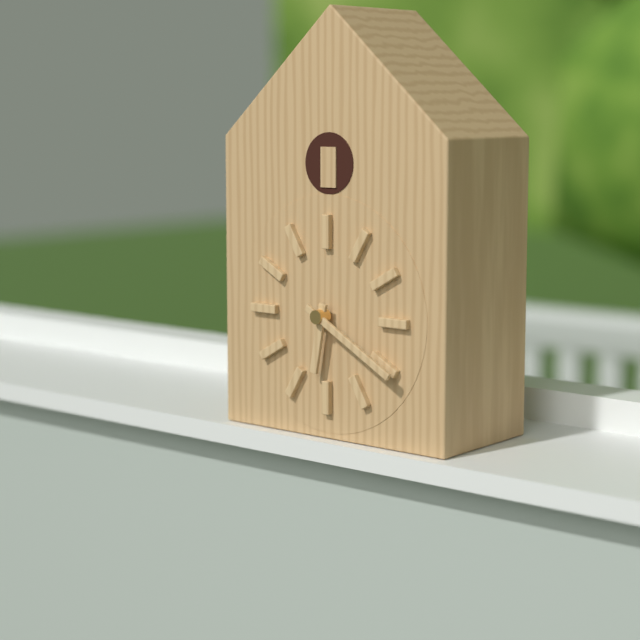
6.20
